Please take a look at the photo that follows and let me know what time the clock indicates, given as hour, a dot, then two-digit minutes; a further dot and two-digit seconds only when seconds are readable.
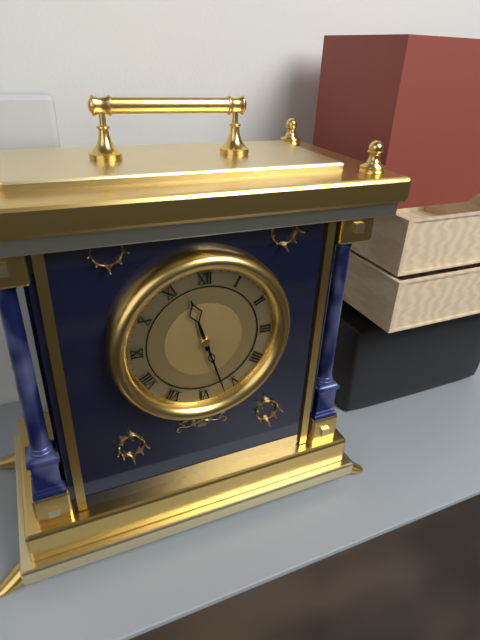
11.27
